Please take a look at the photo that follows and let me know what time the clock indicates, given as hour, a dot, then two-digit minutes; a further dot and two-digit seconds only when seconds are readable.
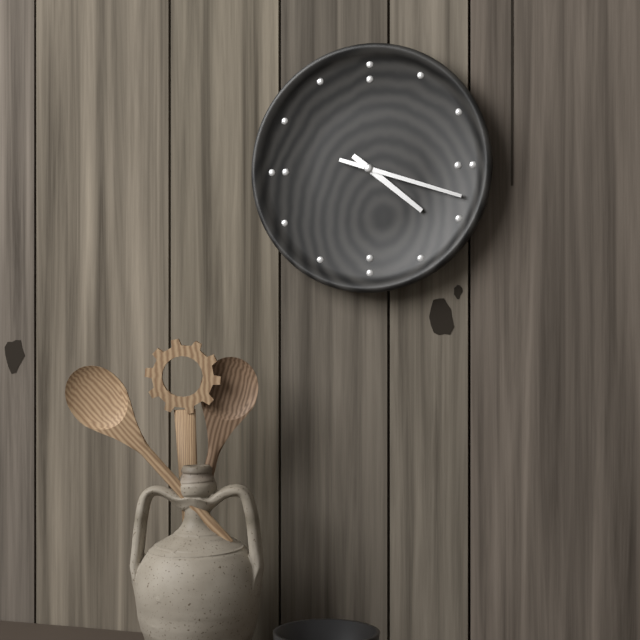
4.18
